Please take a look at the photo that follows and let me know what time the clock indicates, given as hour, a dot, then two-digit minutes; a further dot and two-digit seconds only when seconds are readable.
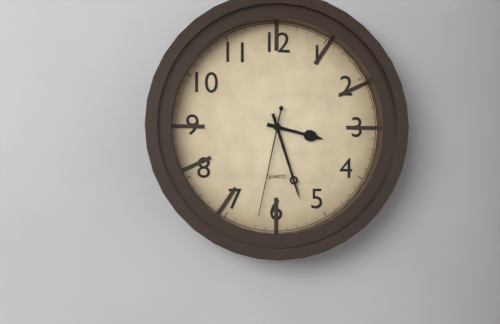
3.27.32
